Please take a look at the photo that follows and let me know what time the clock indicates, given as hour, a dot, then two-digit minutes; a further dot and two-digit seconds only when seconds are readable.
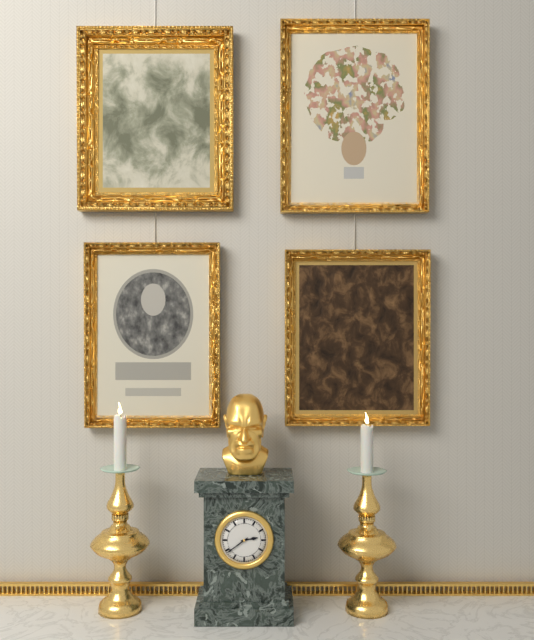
2.39
